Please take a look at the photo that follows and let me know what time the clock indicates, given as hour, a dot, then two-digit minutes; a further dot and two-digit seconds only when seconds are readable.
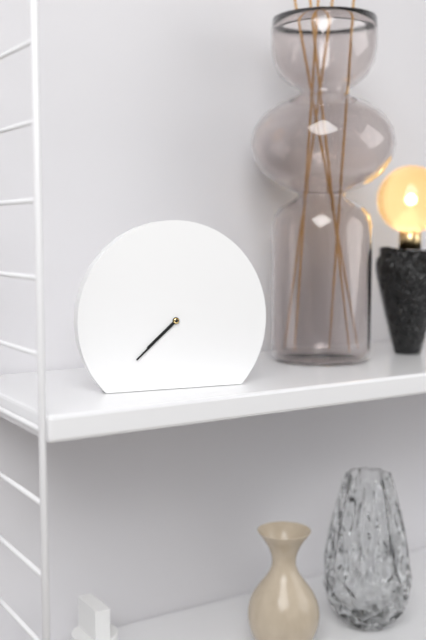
7.38
